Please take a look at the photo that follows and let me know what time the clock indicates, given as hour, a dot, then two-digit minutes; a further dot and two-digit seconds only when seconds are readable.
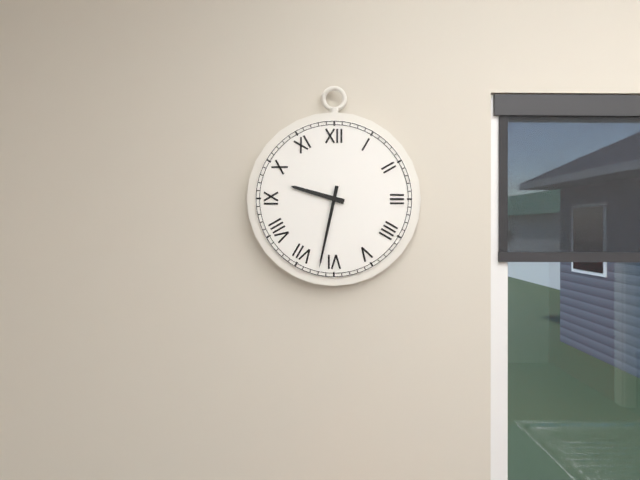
9.32
